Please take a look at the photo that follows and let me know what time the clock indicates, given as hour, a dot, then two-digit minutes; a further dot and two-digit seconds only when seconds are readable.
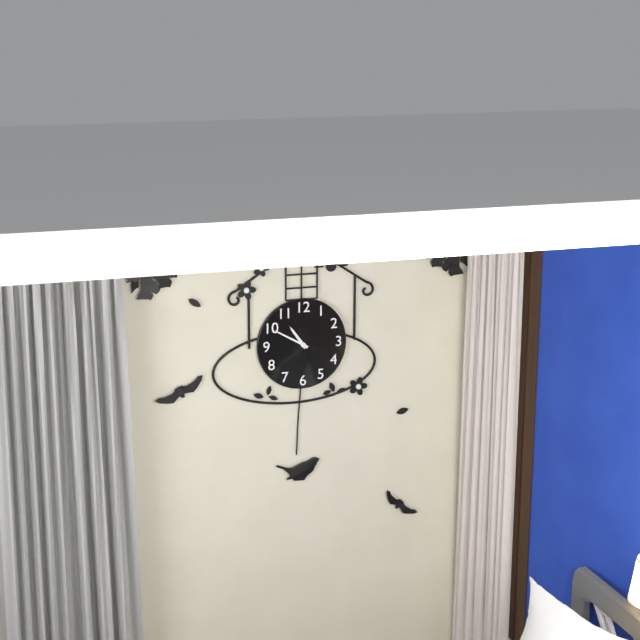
10.50
